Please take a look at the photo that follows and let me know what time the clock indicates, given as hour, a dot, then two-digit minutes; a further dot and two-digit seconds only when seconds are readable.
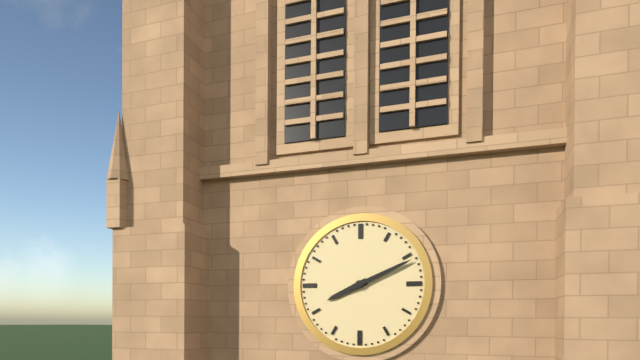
8.11
